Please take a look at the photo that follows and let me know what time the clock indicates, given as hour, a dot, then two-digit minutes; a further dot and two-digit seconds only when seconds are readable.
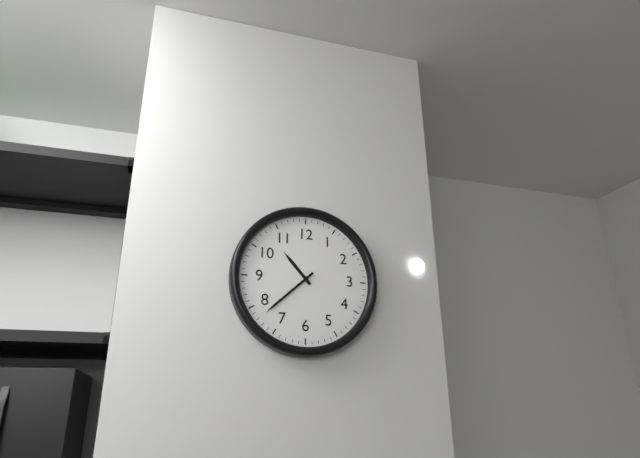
10.38
